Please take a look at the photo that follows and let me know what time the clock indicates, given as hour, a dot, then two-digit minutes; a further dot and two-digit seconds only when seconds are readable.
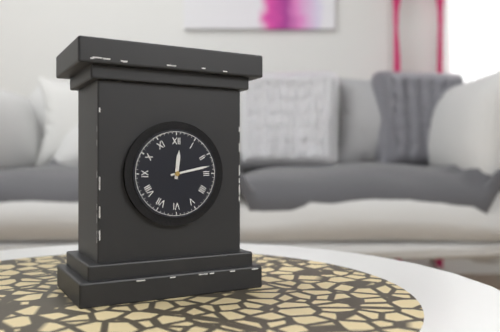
12.13
